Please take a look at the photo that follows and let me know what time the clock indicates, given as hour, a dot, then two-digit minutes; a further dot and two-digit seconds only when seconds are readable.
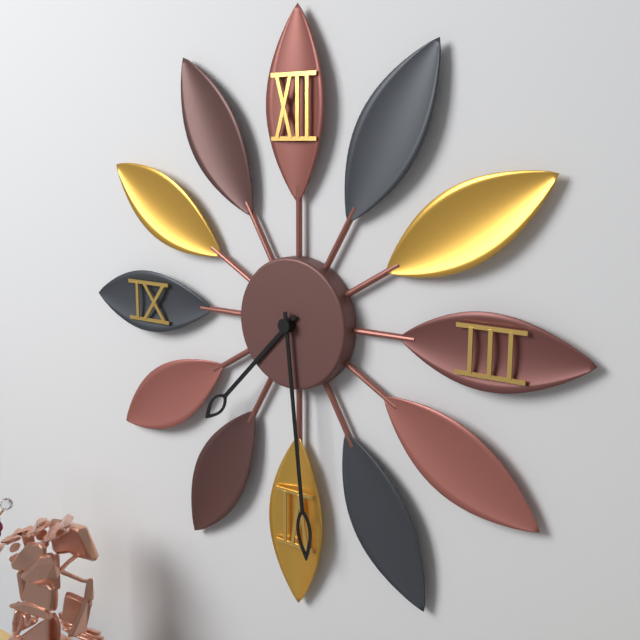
7.29
